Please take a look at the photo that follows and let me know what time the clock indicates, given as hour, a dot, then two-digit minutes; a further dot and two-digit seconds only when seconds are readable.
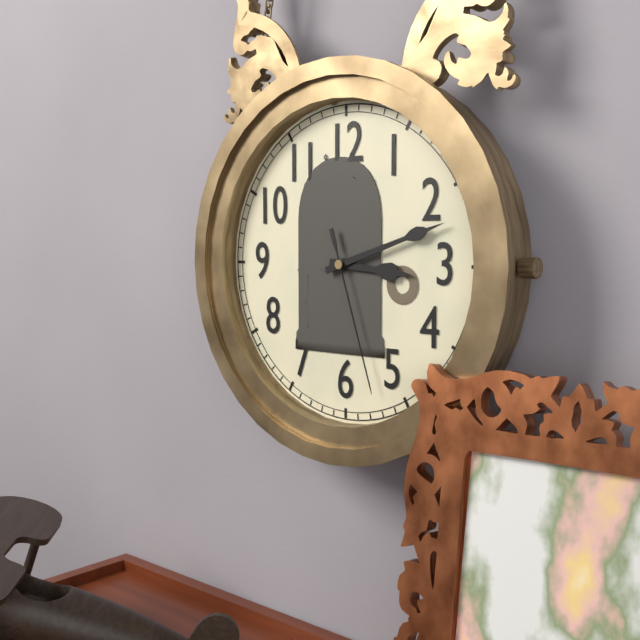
3.12.27
